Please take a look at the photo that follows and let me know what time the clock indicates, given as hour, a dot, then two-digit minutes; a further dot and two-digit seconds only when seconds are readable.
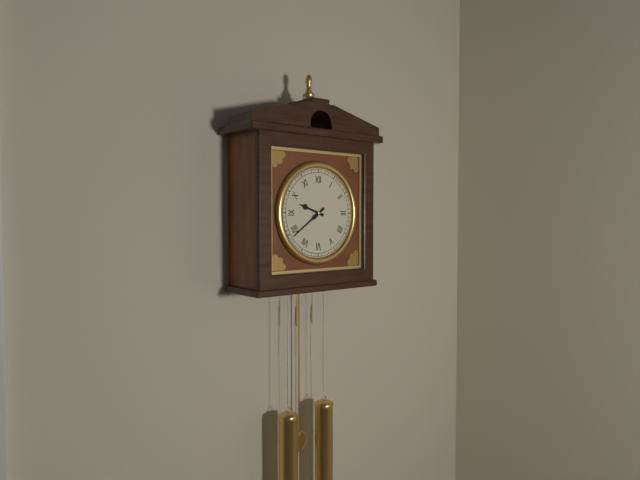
9.39
